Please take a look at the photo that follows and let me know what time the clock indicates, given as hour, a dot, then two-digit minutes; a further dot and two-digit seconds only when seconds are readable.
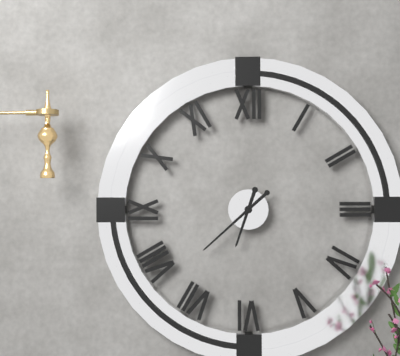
6.38
